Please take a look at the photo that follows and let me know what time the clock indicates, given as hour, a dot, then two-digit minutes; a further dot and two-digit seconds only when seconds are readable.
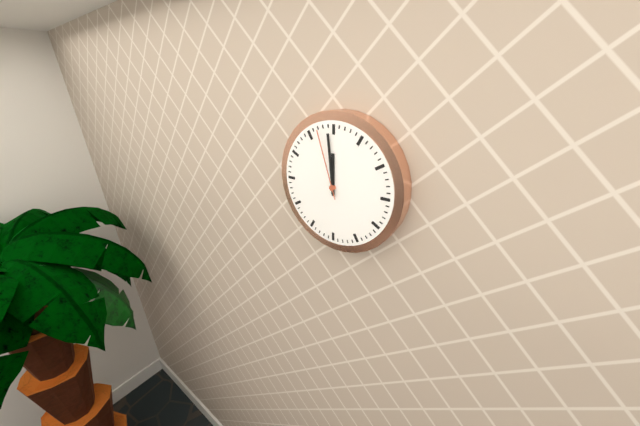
11.59.57
